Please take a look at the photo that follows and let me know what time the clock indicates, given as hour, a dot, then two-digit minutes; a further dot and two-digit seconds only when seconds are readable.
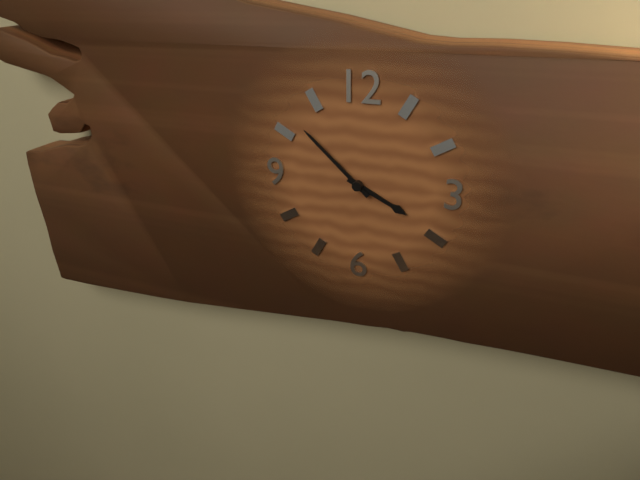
3.52
